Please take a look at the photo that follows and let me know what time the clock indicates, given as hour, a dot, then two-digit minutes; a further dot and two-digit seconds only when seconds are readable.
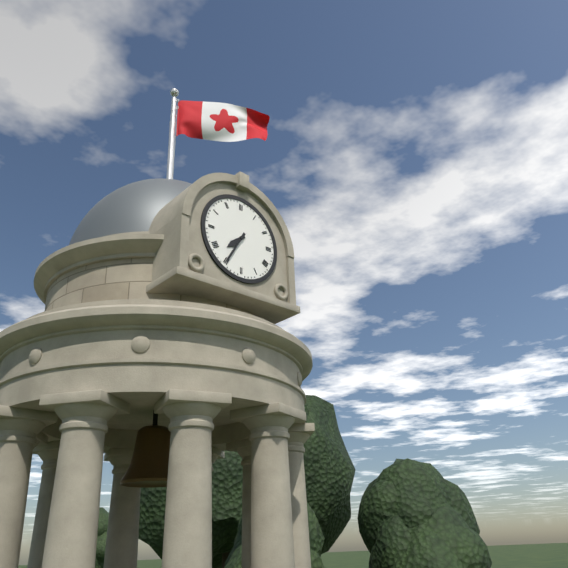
7.35
